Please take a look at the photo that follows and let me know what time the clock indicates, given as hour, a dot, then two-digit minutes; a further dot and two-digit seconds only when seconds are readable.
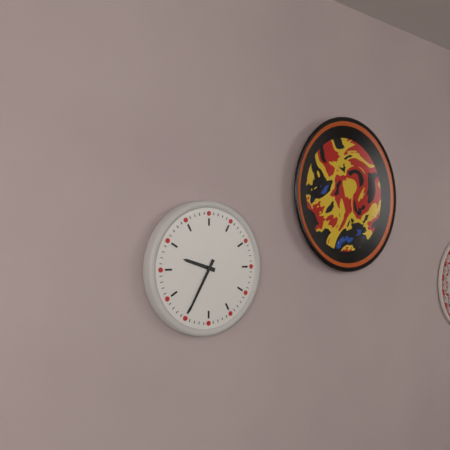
9.35
